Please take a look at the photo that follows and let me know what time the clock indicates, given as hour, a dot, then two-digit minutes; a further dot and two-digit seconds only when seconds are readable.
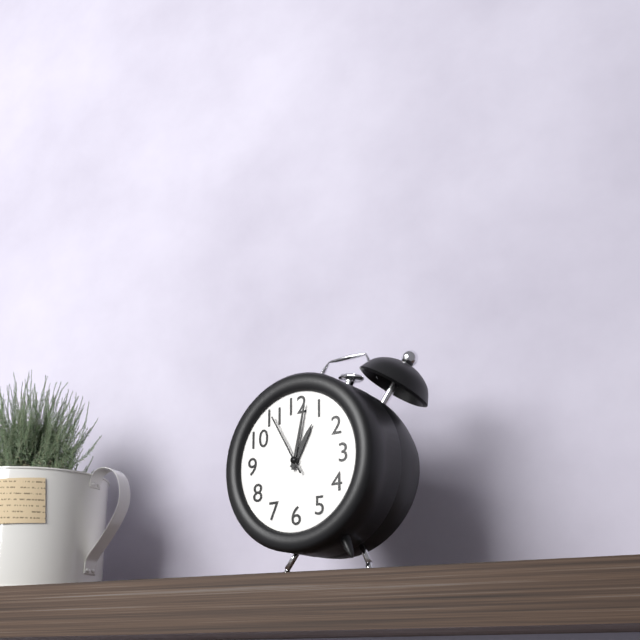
1.02.55
